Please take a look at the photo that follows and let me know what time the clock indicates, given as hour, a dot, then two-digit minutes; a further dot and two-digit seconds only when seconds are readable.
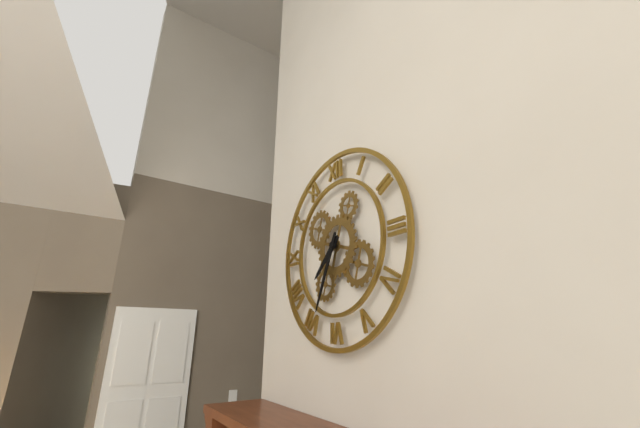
7.34
